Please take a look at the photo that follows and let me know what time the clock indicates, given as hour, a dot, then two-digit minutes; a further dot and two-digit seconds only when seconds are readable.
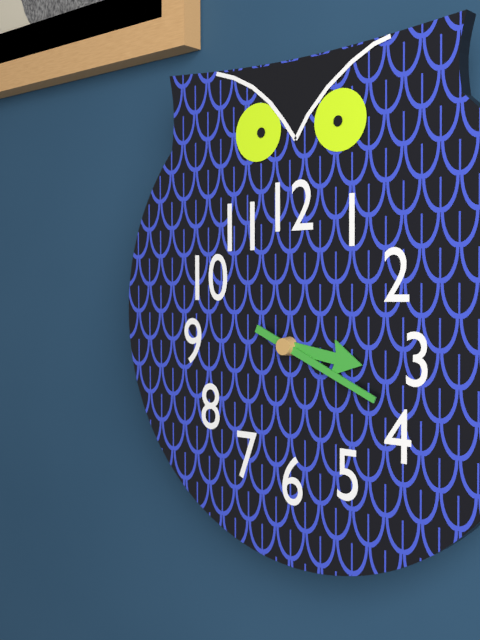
3.19
